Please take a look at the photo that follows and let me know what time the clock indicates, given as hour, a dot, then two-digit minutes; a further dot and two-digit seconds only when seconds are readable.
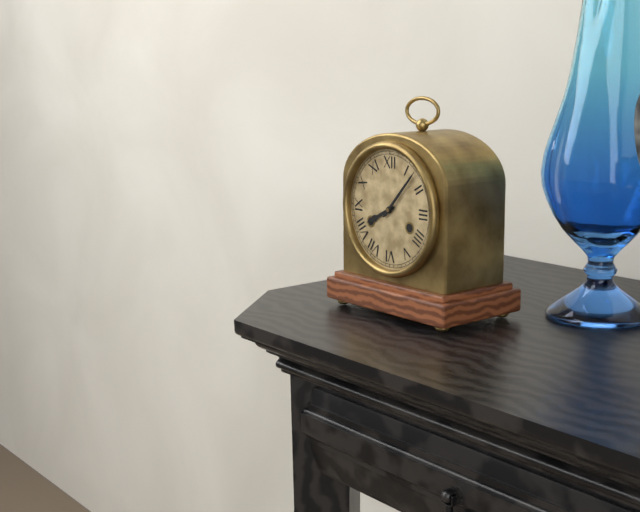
8.07
